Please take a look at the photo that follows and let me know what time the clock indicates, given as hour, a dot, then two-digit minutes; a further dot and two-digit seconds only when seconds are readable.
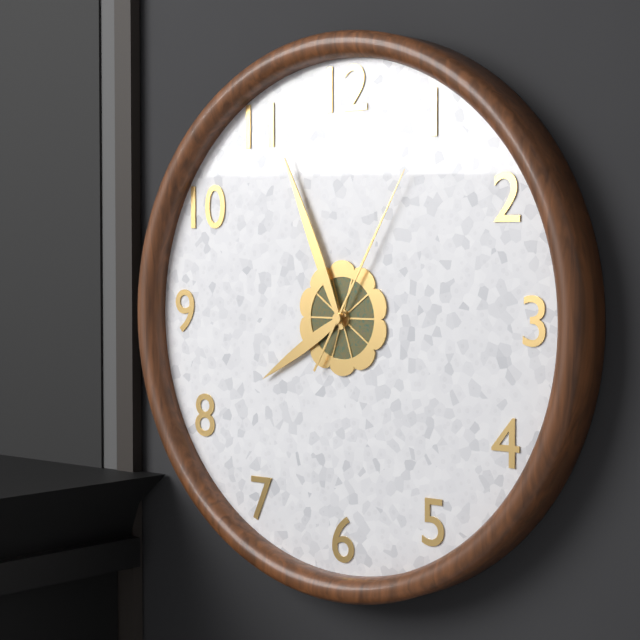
7.56.05
